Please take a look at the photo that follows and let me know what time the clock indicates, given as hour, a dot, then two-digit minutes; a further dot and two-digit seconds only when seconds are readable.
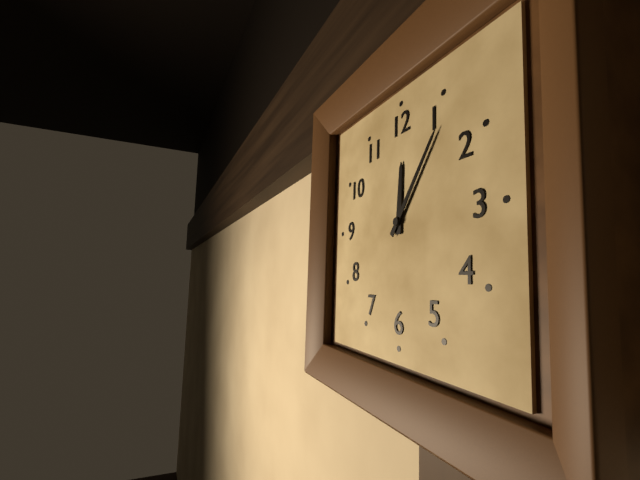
12.06
